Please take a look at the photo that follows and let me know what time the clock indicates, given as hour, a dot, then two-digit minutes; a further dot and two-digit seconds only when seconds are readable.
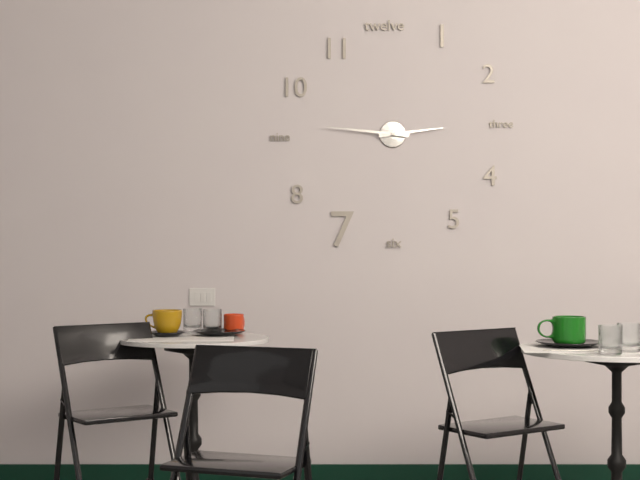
2.46
